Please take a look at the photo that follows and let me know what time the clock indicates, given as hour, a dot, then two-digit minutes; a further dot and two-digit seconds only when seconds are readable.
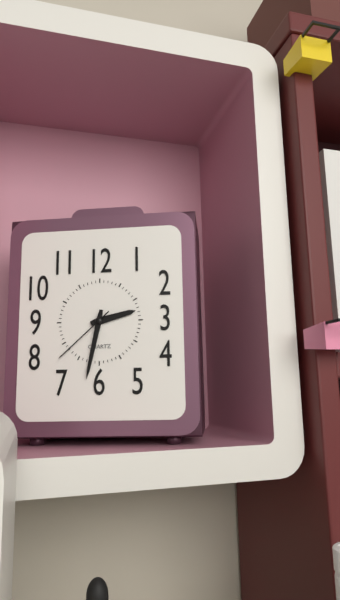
2.32.38
